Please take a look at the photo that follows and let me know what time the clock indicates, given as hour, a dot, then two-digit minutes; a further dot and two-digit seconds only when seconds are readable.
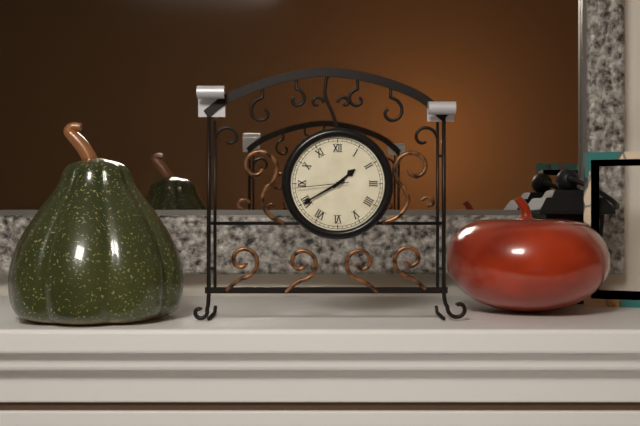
1.40.44
